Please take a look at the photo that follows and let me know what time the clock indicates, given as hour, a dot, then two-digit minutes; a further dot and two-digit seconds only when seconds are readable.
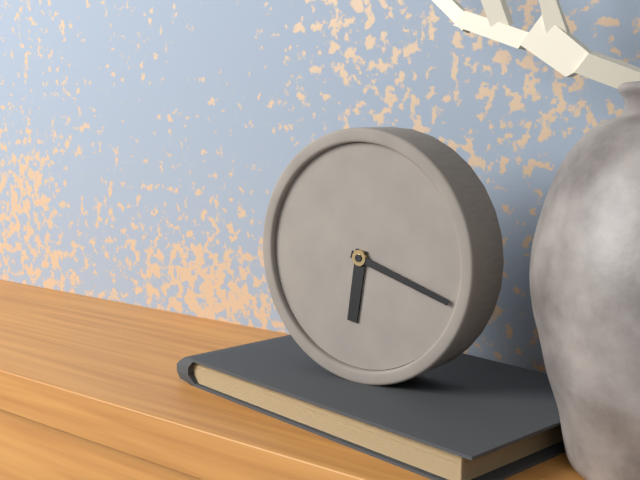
6.18
